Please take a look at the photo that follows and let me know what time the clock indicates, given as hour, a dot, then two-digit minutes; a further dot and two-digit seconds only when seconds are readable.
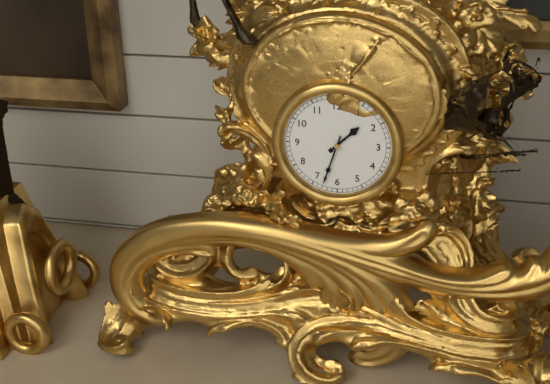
1.33
